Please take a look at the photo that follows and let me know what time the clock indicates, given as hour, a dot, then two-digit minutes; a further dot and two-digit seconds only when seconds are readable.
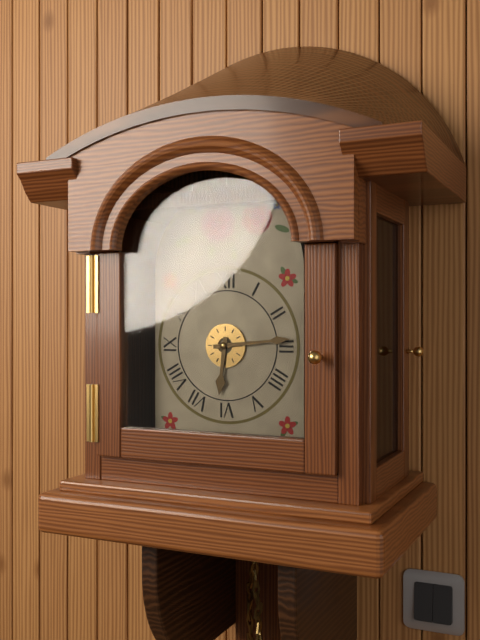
6.14
